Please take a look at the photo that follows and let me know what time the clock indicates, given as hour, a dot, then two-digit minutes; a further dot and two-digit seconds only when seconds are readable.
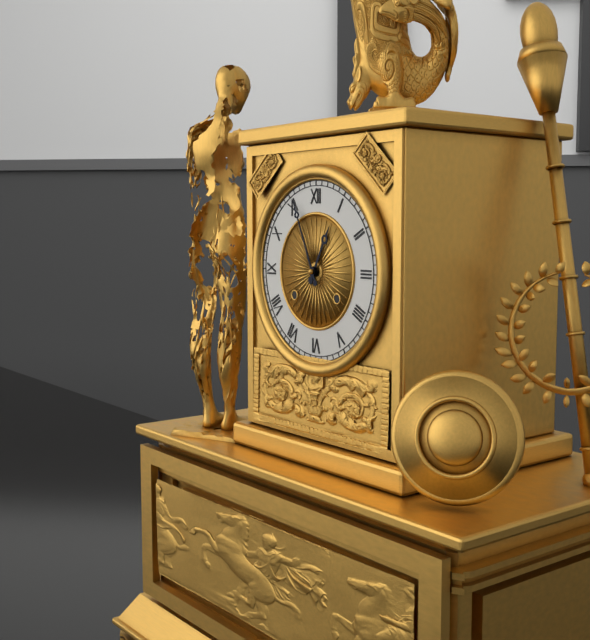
12.56
